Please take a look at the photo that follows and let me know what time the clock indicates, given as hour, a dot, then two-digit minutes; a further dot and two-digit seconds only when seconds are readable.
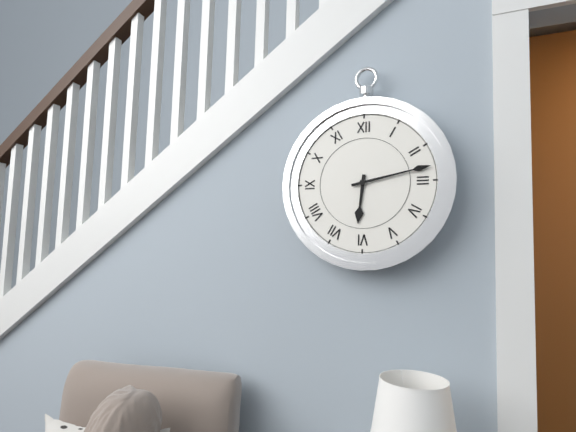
6.13
